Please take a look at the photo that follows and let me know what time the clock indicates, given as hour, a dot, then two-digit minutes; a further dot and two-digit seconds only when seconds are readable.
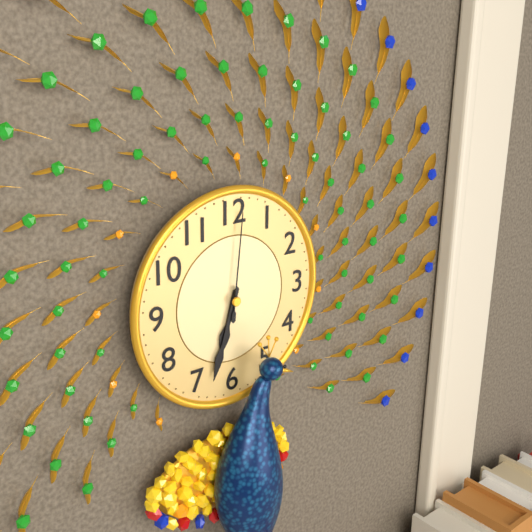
6.33.01
